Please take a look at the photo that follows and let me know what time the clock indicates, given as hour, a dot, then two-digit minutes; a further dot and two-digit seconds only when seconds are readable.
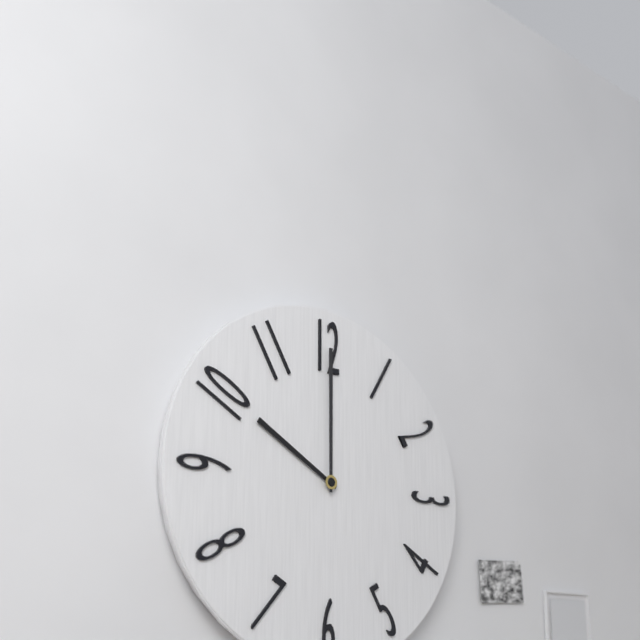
10.00
